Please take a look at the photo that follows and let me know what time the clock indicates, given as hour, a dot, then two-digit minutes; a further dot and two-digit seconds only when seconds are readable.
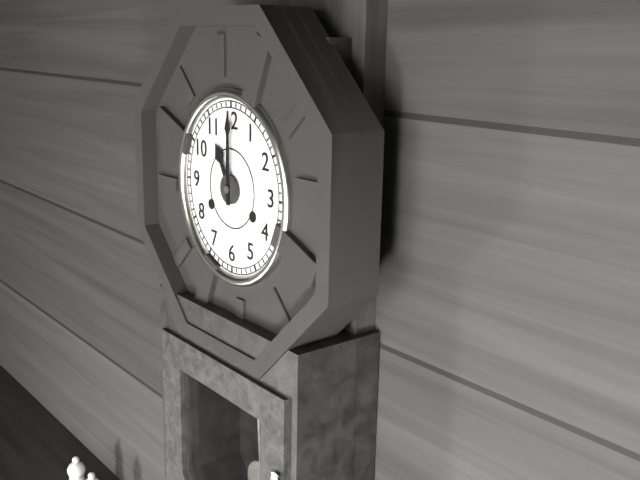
11.00
